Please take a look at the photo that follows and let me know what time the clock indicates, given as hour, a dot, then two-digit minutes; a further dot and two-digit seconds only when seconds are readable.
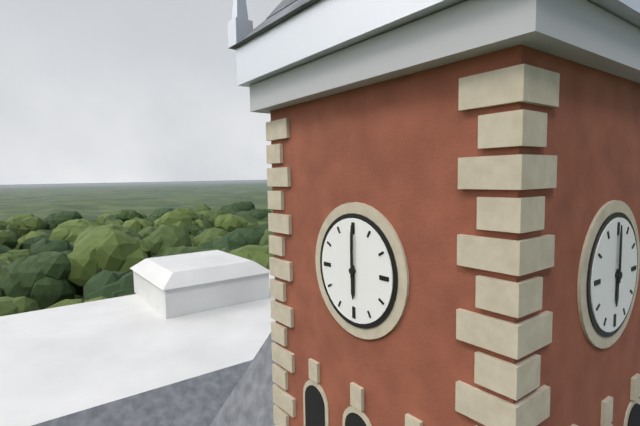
6.00
